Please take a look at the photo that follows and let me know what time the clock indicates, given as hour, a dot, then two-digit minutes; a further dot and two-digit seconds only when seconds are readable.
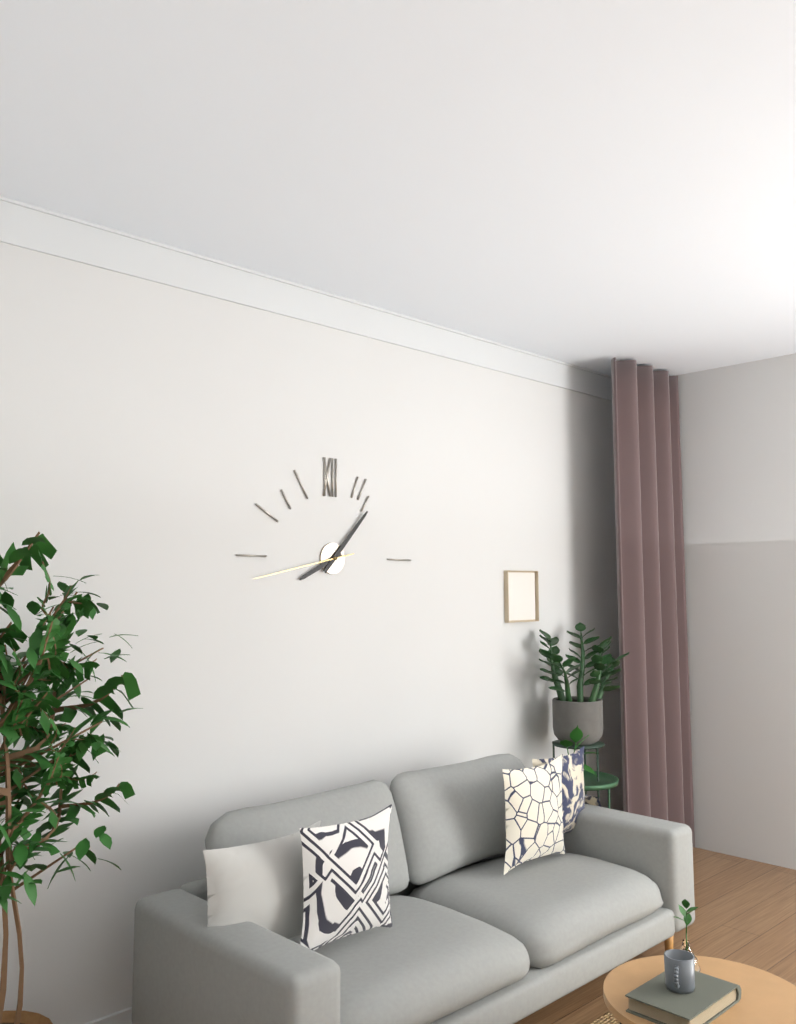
8.07.43
